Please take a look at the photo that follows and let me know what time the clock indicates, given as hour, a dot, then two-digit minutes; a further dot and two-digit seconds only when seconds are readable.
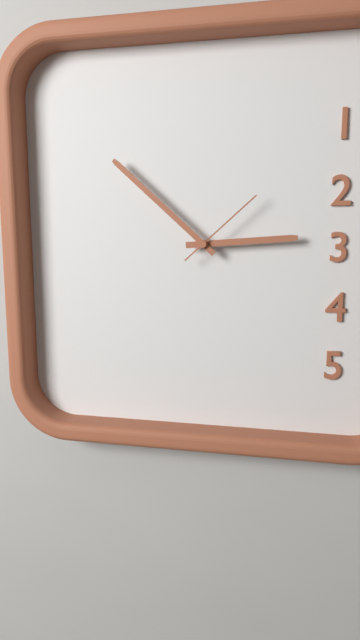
2.52.08
